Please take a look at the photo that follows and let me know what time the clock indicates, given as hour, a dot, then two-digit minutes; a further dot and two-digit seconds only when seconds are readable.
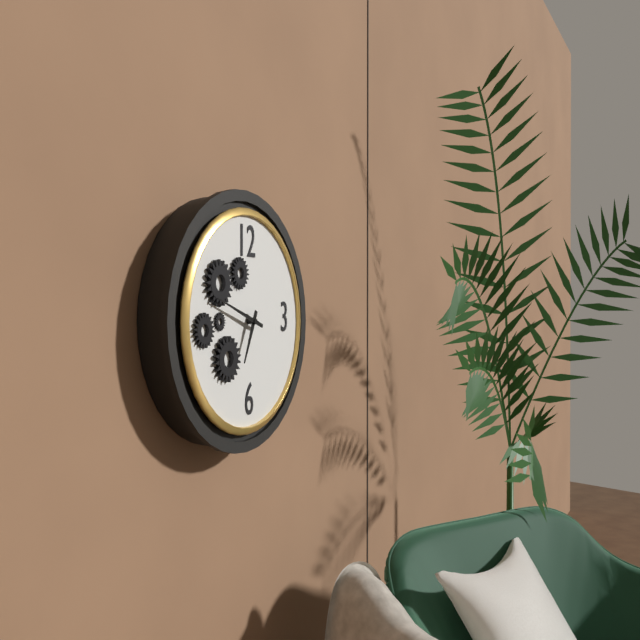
6.48
